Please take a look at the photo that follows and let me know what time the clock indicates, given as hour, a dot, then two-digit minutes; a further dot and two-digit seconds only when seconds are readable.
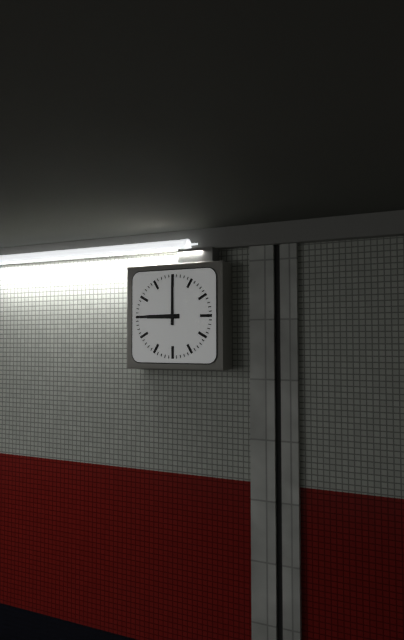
9.00
